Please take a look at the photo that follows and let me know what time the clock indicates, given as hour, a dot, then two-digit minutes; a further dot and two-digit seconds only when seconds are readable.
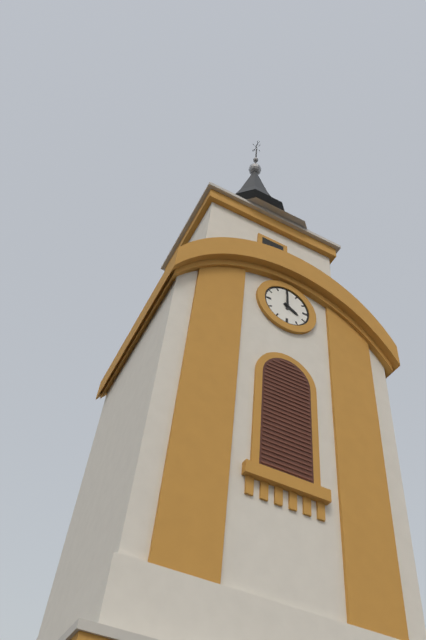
4.00
